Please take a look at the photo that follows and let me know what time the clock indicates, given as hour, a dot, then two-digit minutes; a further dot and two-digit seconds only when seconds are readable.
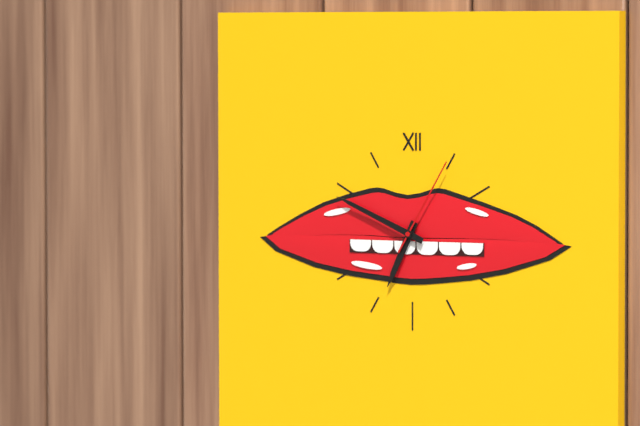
6.49.05
